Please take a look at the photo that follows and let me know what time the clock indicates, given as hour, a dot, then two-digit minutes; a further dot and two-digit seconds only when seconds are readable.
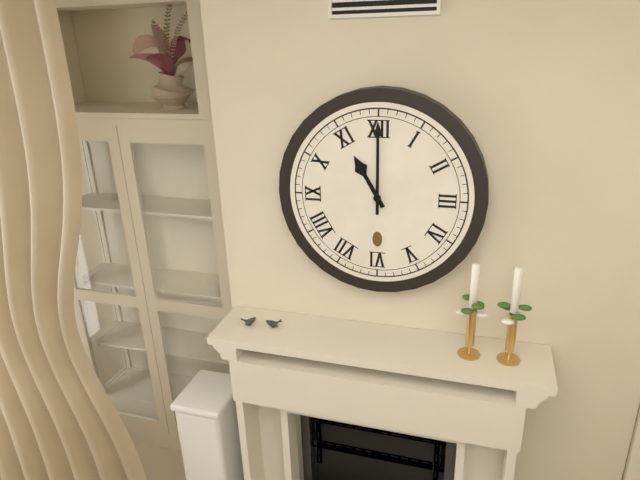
11.00
